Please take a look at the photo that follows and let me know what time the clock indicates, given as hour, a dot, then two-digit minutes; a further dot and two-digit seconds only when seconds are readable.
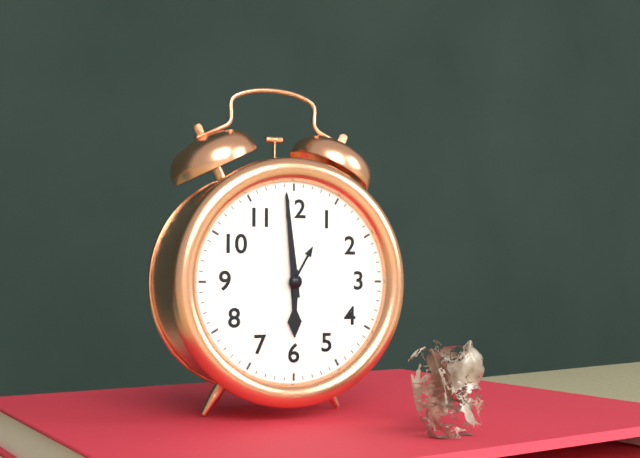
5.59
